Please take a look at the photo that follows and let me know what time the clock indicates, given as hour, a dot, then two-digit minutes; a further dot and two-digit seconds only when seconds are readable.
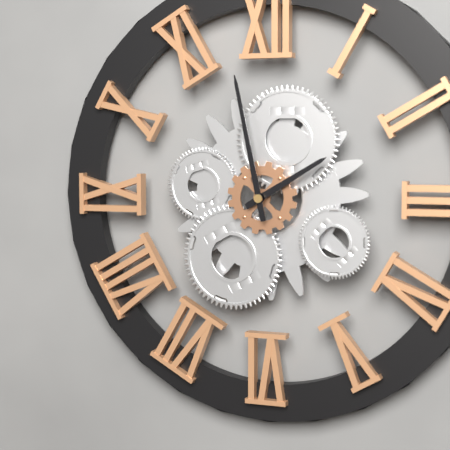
1.58
